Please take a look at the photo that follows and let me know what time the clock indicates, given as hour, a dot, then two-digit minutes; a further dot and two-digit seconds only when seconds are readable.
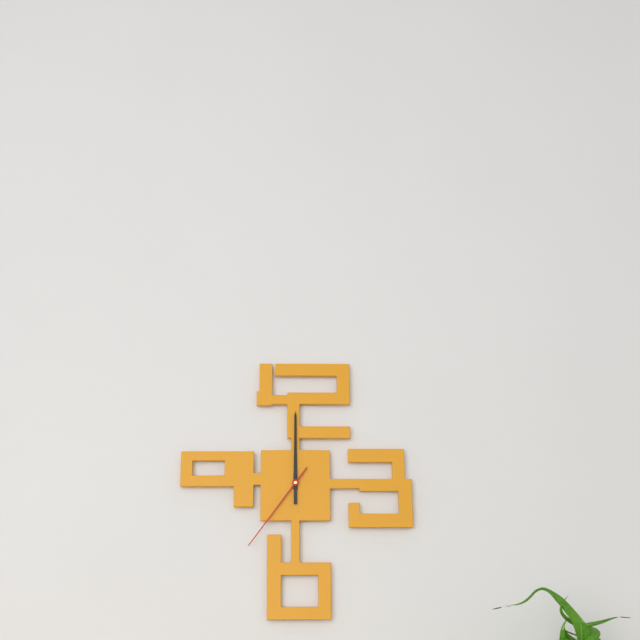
12.00.36
